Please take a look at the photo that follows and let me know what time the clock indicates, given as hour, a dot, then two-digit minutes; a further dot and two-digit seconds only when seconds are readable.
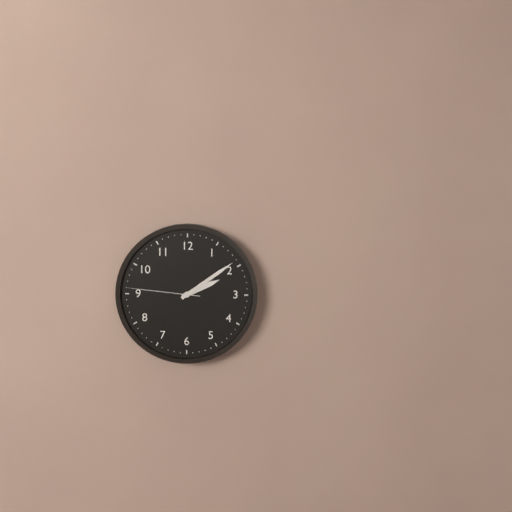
2.09.46
